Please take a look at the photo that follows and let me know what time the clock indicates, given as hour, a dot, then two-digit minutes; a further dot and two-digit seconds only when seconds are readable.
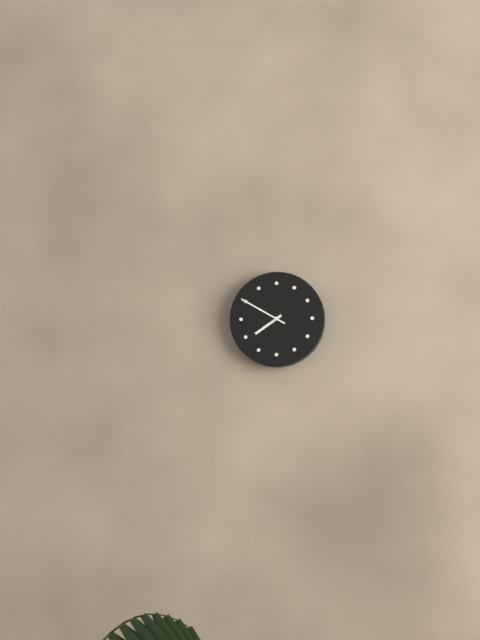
7.50
